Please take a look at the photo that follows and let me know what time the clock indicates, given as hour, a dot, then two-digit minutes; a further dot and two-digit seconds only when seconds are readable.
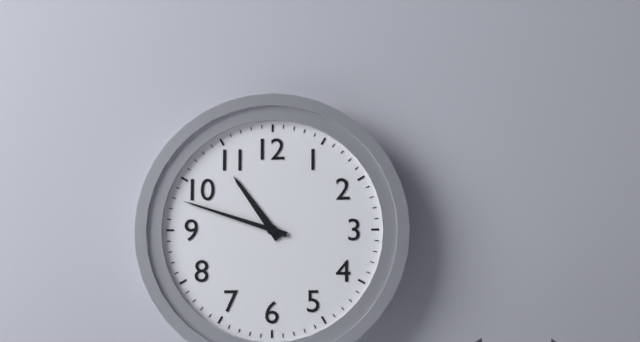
10.48
